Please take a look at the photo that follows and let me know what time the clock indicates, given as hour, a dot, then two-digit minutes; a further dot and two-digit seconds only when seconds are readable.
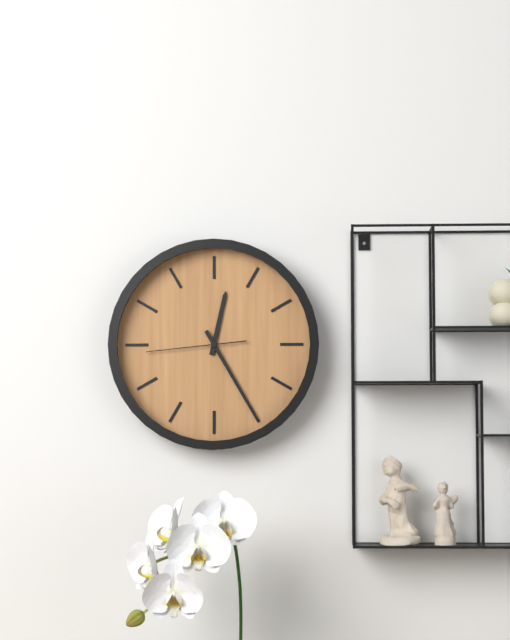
12.25.44
